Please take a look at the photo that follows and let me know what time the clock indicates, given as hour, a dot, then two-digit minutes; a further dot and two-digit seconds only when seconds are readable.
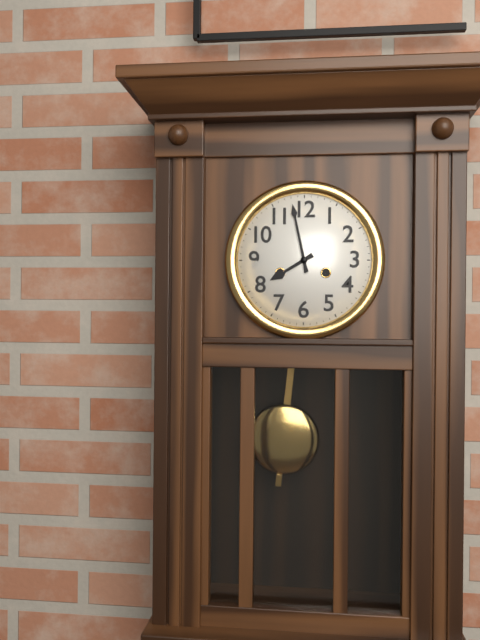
7.58
